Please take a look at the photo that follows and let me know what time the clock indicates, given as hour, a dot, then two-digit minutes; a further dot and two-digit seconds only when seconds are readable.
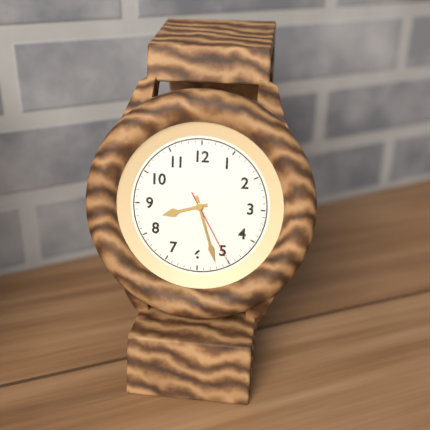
8.27.25
